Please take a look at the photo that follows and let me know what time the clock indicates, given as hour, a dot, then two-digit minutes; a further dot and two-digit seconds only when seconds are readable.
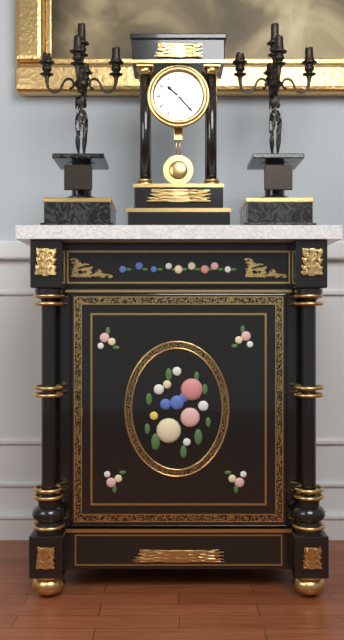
10.23
